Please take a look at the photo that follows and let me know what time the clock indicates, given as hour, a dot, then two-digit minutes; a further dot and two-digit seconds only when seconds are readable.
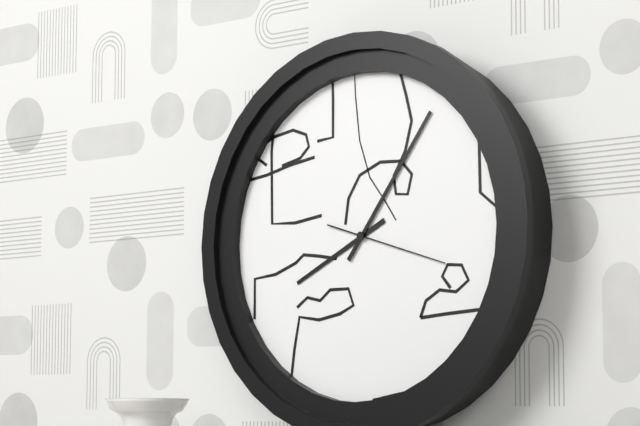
8.06.18
